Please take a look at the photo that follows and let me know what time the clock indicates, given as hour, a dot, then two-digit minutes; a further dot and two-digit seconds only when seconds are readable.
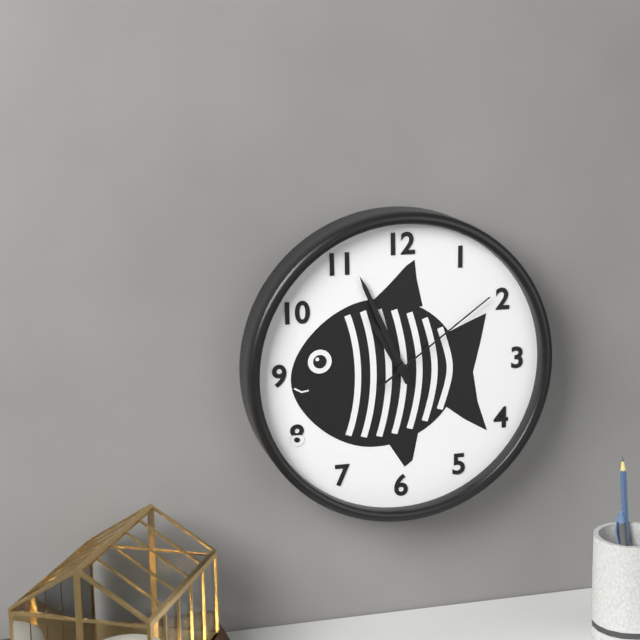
10.56.09
